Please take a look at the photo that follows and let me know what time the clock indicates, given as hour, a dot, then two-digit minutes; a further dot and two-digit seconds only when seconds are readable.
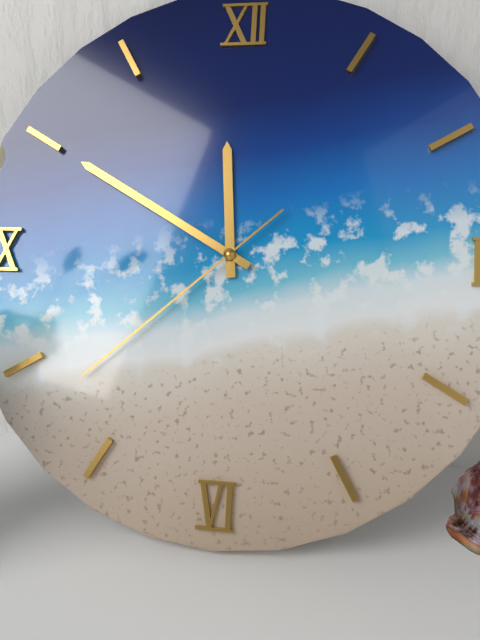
11.50.38
